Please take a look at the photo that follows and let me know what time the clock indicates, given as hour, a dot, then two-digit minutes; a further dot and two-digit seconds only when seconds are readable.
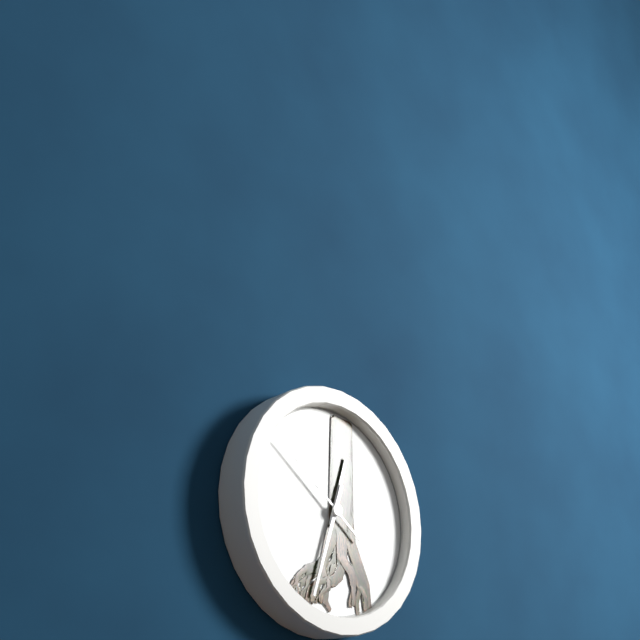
12.33.51
